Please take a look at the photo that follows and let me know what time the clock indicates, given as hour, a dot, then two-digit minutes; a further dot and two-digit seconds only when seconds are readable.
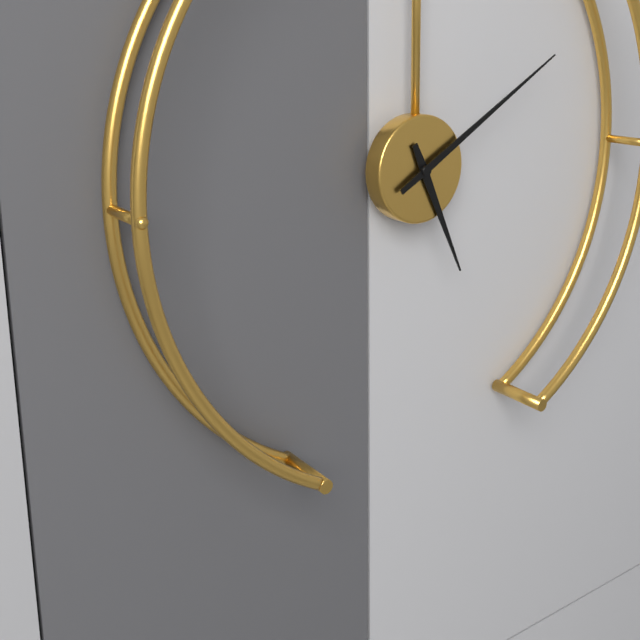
5.10
